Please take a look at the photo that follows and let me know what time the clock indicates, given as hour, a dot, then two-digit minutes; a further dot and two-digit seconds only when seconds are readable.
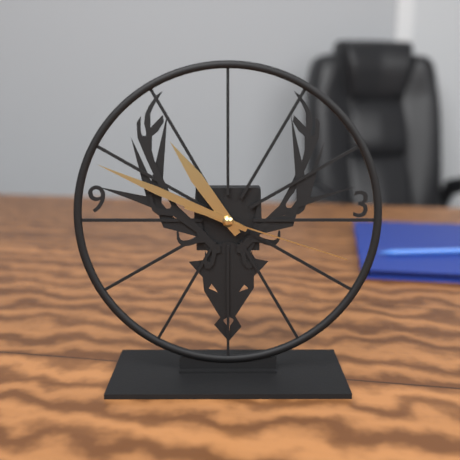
10.49.18
